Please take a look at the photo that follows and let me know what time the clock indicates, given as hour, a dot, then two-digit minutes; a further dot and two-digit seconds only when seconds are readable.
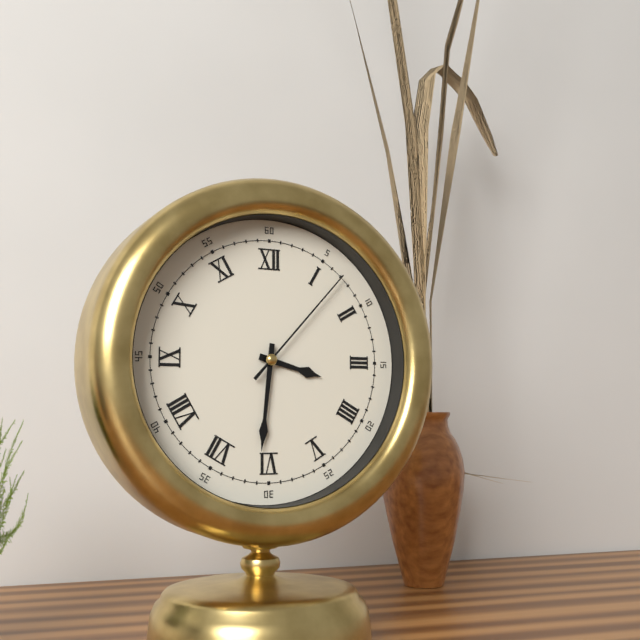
3.31.07
